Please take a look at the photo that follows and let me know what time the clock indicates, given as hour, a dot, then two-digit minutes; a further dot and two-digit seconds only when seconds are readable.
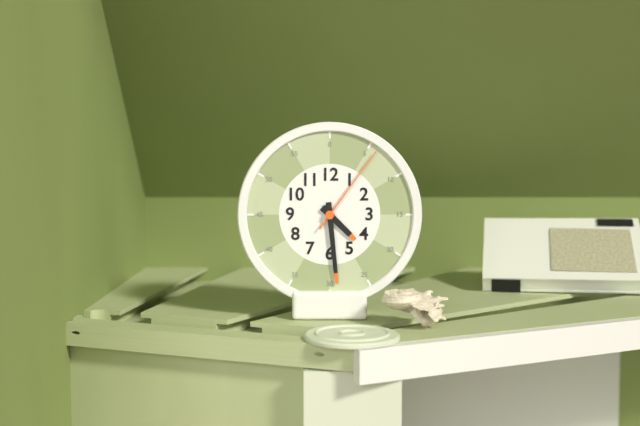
4.29.06
